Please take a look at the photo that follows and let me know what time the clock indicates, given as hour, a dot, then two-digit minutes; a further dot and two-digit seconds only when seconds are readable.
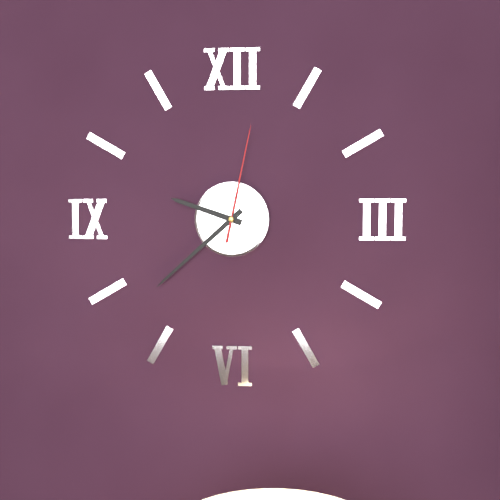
9.38.02
